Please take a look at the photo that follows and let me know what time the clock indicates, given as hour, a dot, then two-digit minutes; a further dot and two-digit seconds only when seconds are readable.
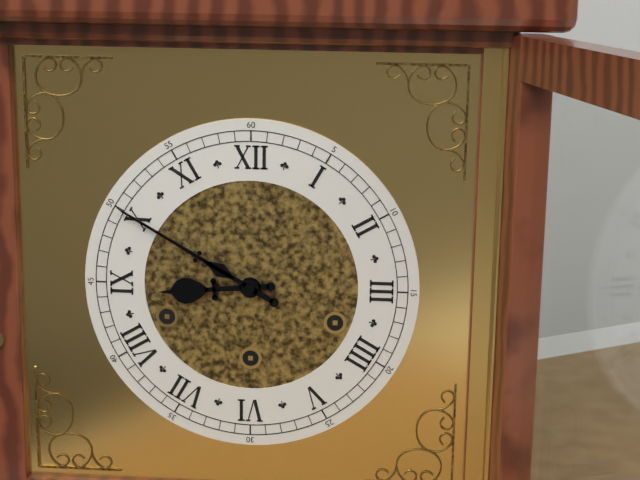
8.50
